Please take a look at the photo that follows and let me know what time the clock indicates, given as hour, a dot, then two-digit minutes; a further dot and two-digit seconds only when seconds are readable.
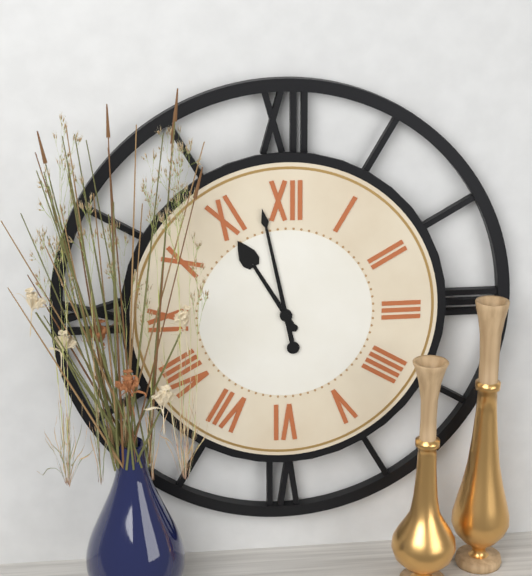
10.58
